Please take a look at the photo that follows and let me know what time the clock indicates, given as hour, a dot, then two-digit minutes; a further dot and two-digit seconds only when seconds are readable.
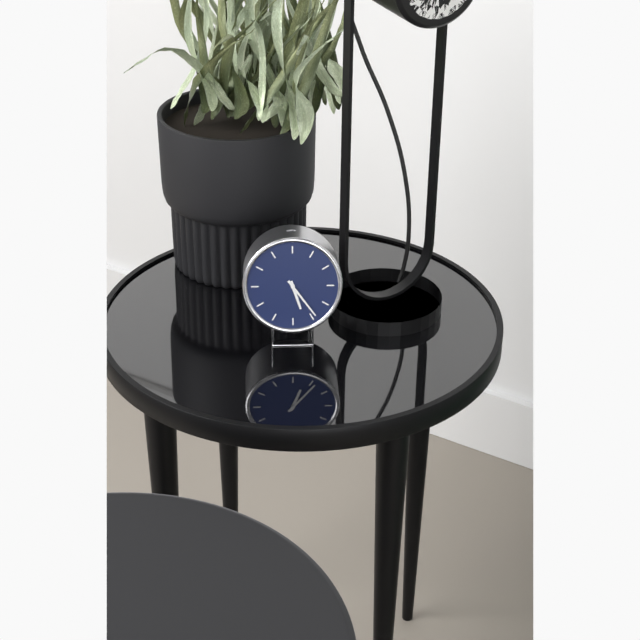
5.24
